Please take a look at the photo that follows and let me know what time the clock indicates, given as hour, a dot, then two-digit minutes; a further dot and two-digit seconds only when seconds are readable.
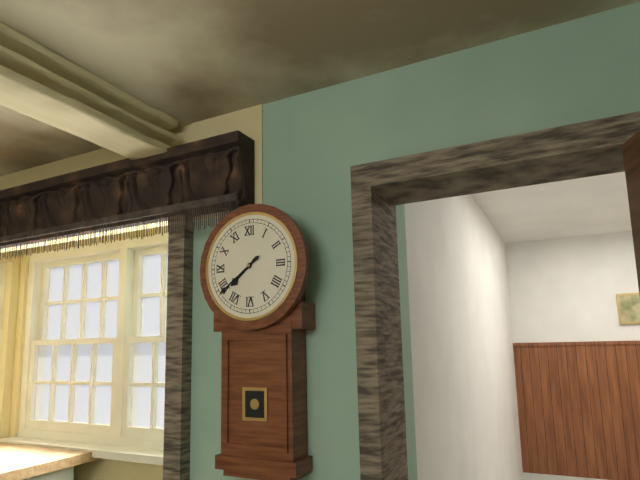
7.39
